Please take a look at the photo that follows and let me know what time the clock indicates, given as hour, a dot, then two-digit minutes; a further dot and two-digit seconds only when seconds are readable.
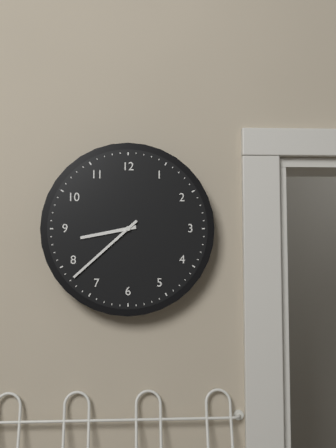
8.38
